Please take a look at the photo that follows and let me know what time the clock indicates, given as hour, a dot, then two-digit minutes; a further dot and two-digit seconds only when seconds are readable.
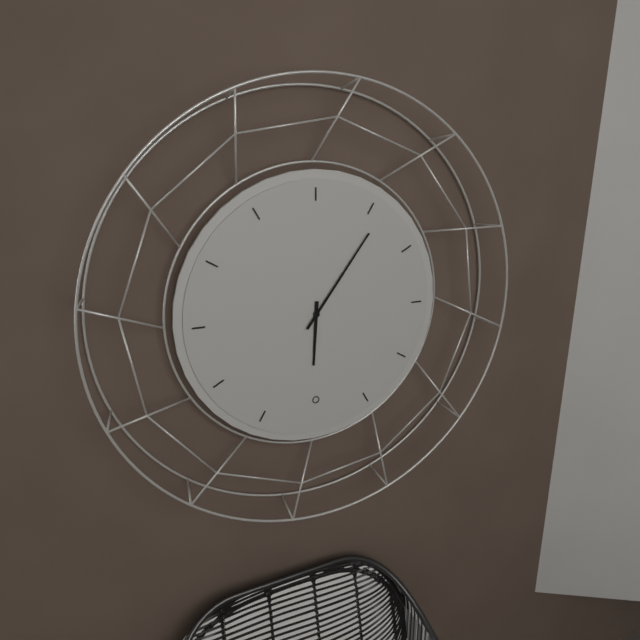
6.06
